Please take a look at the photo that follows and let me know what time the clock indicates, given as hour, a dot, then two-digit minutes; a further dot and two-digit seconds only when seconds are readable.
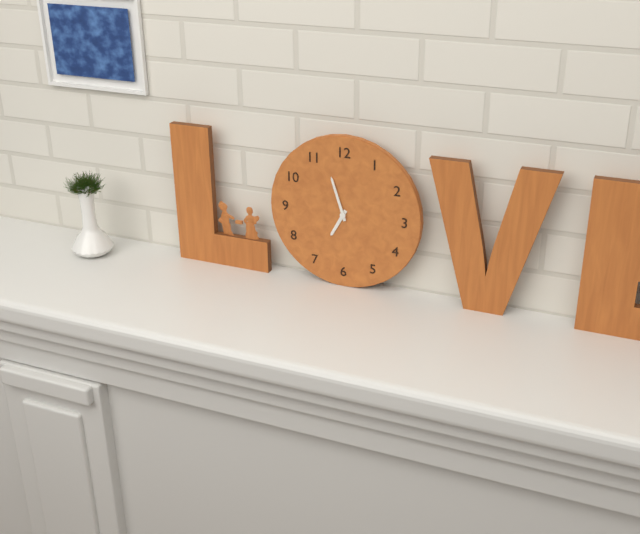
6.57
